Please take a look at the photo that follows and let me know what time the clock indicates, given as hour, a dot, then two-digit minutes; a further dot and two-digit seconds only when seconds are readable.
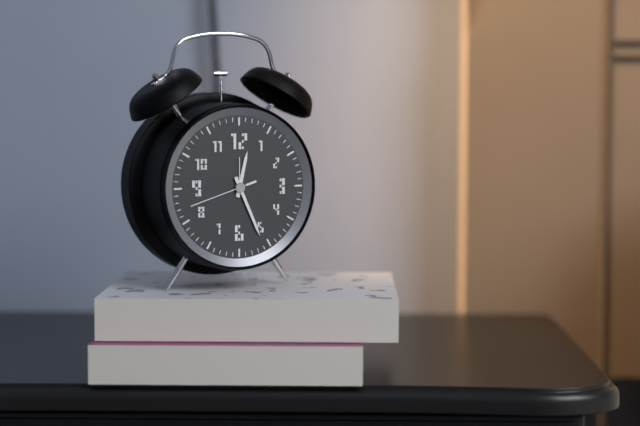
12.26.42
